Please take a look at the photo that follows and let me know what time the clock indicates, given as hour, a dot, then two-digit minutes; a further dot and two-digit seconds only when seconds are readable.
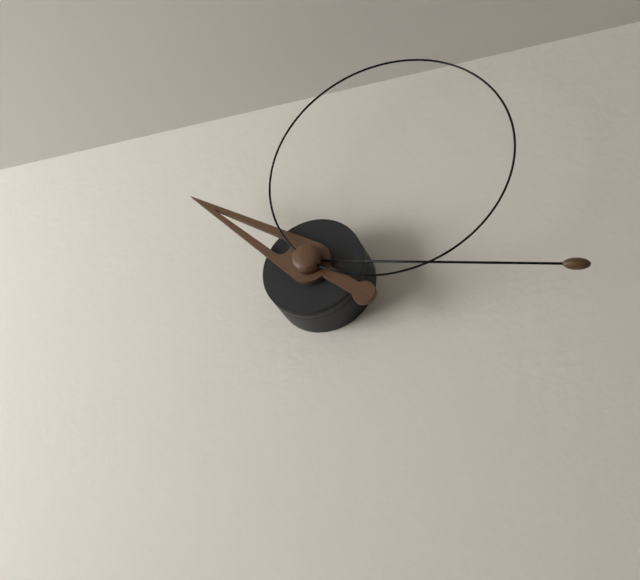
10.17.07
